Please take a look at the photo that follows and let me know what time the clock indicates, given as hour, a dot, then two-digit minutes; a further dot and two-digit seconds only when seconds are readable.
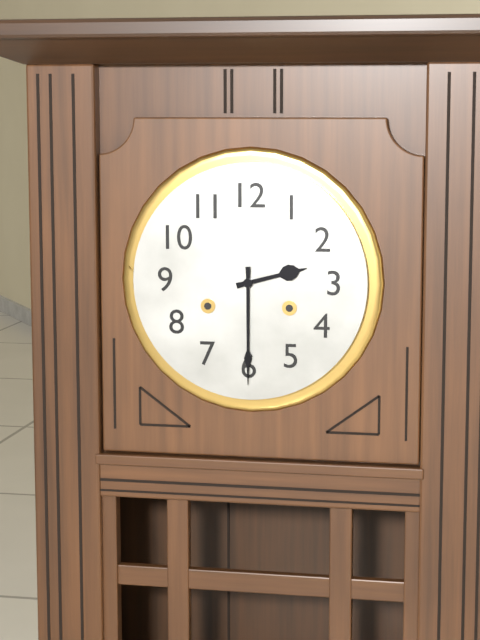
2.30
